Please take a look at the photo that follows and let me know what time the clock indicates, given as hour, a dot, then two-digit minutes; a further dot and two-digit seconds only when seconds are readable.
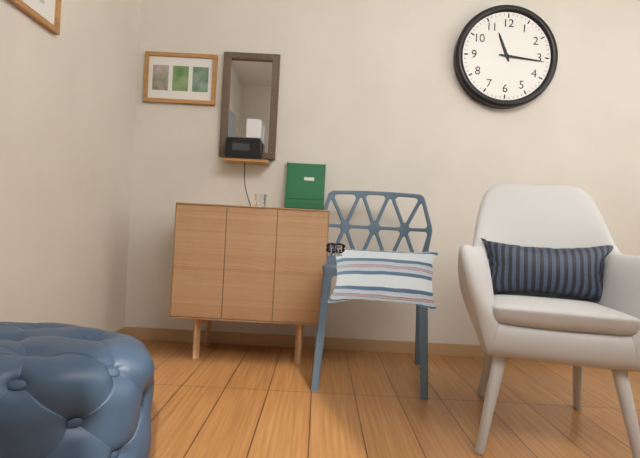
11.16
